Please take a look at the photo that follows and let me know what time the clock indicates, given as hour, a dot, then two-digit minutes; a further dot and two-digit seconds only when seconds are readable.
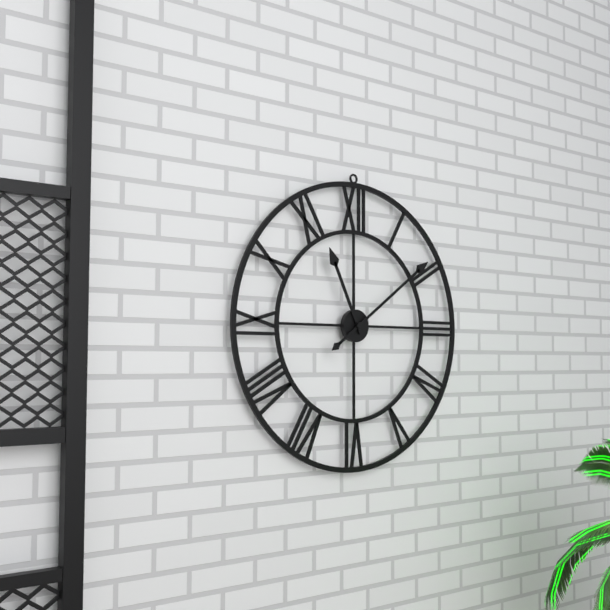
11.09
